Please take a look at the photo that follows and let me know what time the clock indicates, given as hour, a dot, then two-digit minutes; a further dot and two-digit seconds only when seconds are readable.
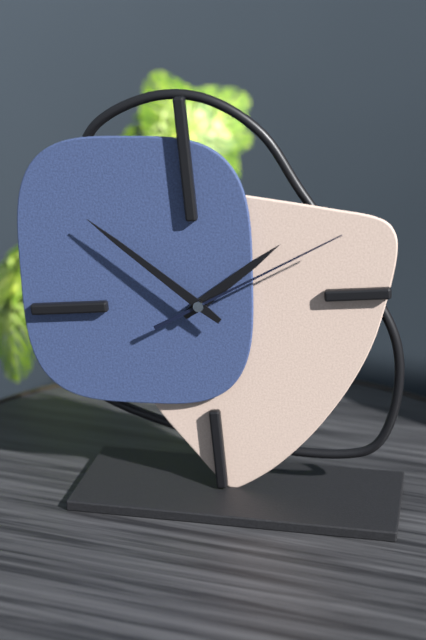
1.52.11
